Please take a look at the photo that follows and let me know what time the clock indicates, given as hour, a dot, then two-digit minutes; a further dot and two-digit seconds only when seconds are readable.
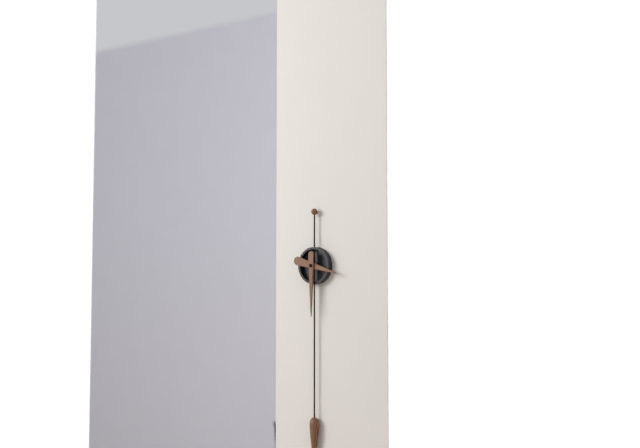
3.30
